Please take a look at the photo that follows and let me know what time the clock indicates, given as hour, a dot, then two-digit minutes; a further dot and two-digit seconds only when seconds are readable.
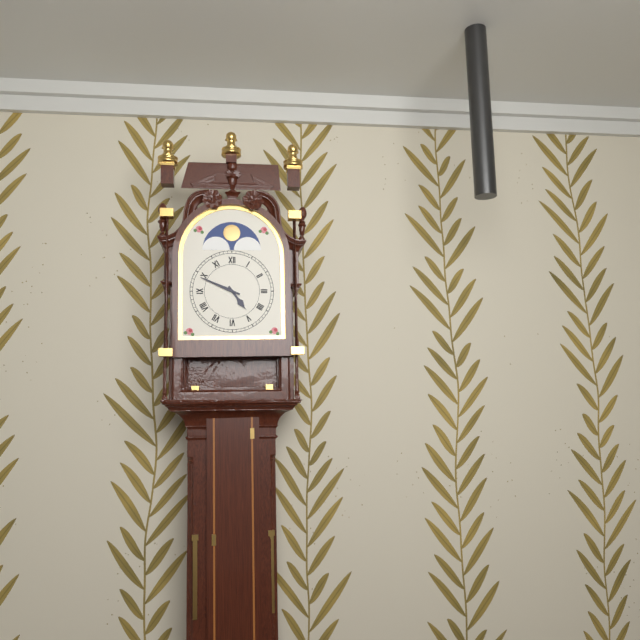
4.49
